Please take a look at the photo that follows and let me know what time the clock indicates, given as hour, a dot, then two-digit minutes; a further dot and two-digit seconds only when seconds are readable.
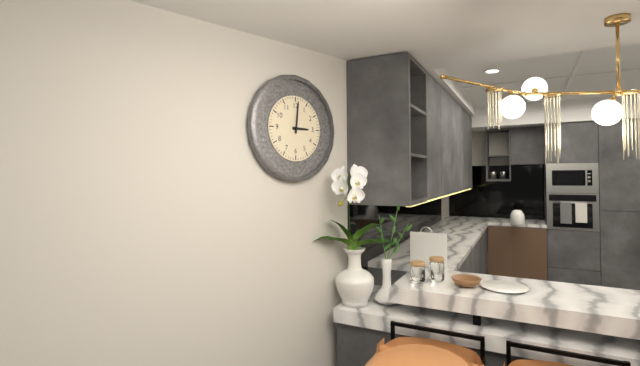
3.01
